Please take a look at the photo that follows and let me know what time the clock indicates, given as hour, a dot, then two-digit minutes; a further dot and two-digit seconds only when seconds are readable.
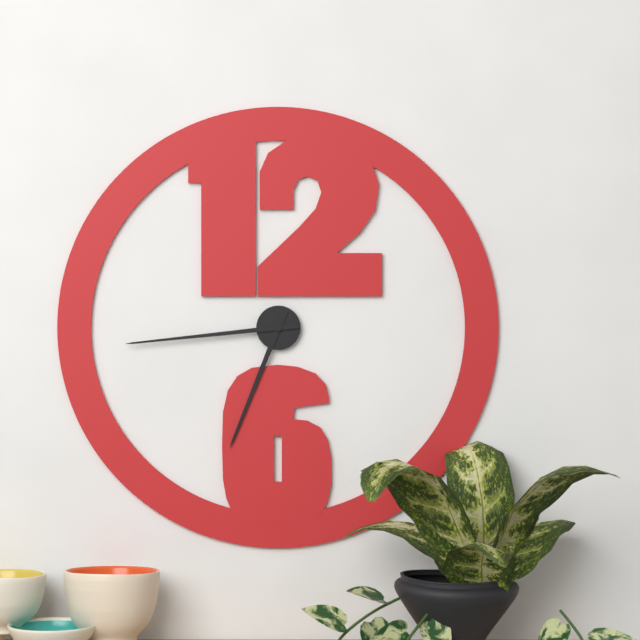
6.44
